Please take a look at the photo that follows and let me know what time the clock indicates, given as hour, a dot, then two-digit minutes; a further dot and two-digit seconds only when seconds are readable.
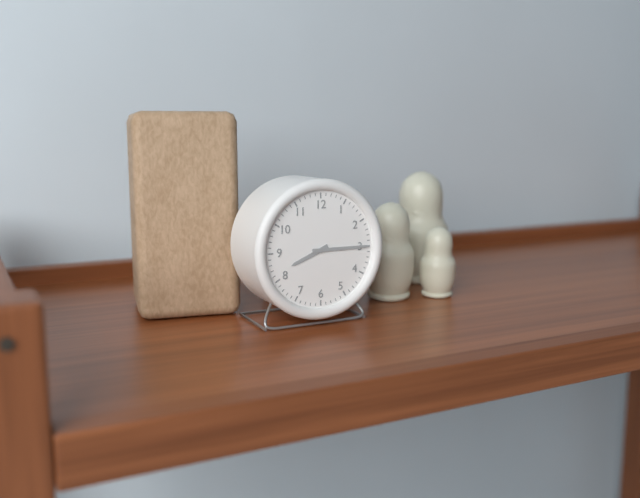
8.15
